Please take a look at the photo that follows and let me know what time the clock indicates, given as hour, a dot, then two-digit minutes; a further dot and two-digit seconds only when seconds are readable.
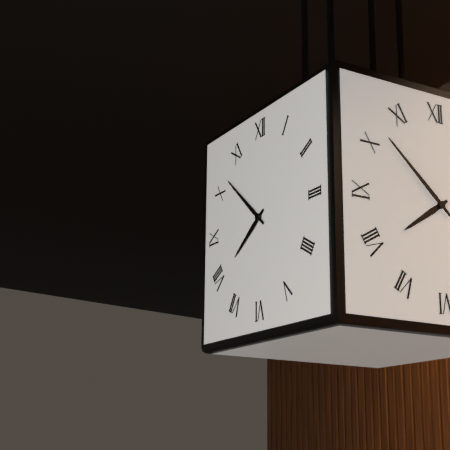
7.52
